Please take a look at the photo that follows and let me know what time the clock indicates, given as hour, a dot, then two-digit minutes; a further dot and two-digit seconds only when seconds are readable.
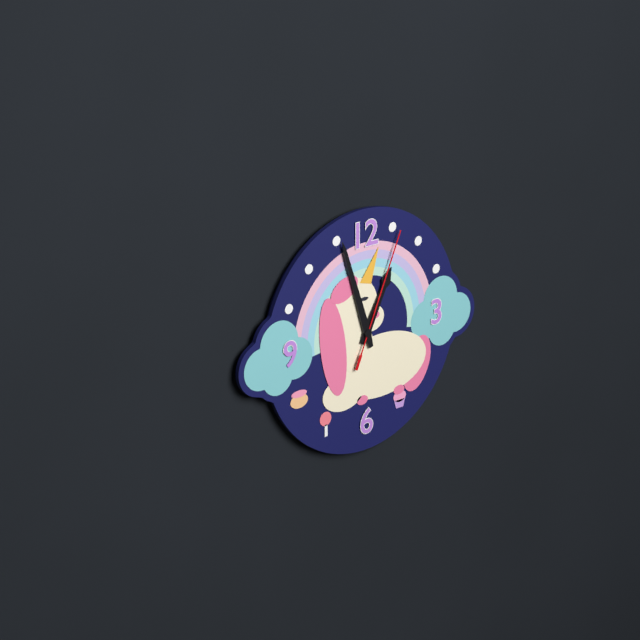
12.57.04
